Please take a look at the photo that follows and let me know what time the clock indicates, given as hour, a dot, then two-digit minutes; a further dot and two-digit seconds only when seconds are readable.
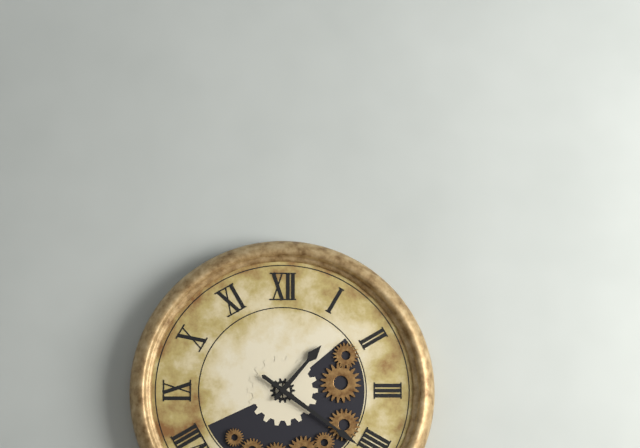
1.21
